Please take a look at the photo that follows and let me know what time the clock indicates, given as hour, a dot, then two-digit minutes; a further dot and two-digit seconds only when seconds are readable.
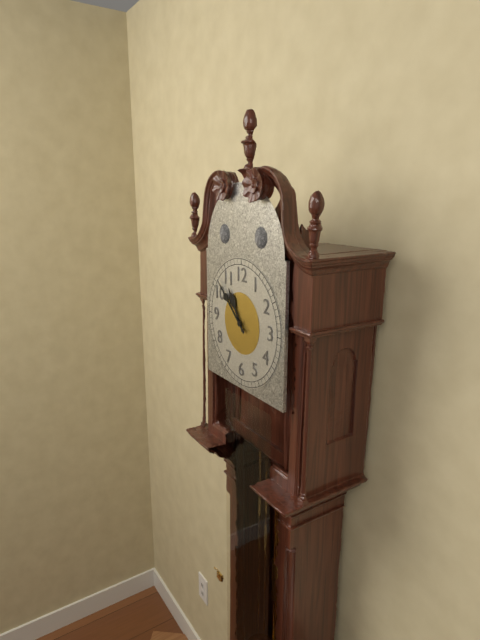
10.52
